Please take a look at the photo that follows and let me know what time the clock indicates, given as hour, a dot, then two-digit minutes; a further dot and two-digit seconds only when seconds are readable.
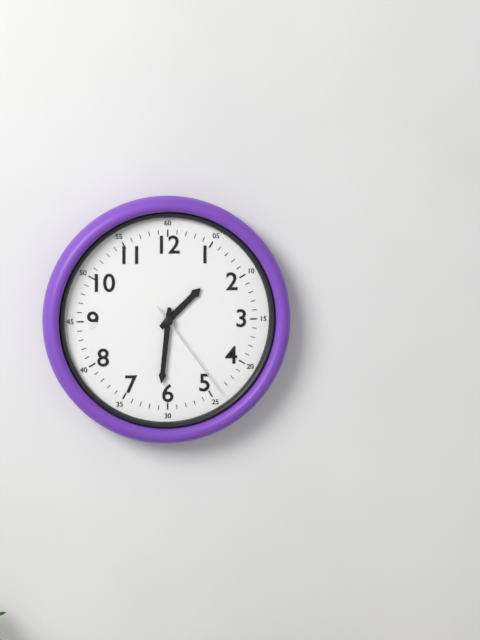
1.31.24
